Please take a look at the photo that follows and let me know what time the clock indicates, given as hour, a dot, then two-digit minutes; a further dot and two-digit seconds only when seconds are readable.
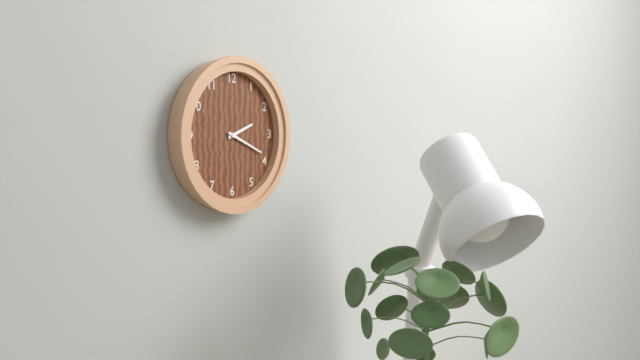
2.19
